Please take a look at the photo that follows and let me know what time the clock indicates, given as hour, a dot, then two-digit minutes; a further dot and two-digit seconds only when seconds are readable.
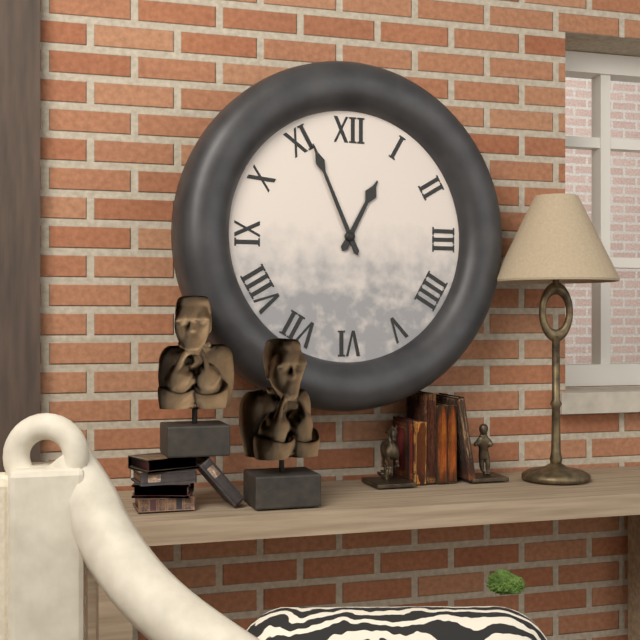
12.56
